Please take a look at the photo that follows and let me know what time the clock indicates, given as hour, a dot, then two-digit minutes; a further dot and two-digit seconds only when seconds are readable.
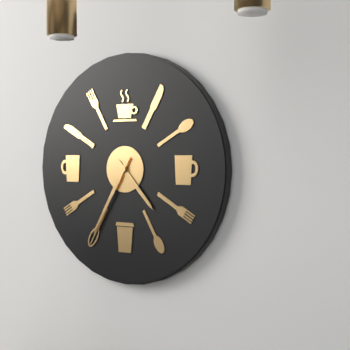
4.35
